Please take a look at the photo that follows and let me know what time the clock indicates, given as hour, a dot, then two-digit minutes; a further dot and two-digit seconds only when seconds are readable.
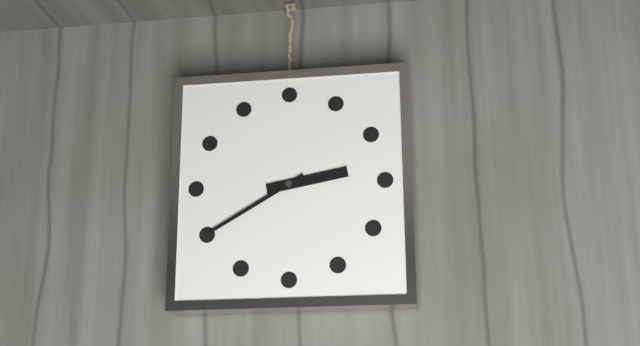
2.40
